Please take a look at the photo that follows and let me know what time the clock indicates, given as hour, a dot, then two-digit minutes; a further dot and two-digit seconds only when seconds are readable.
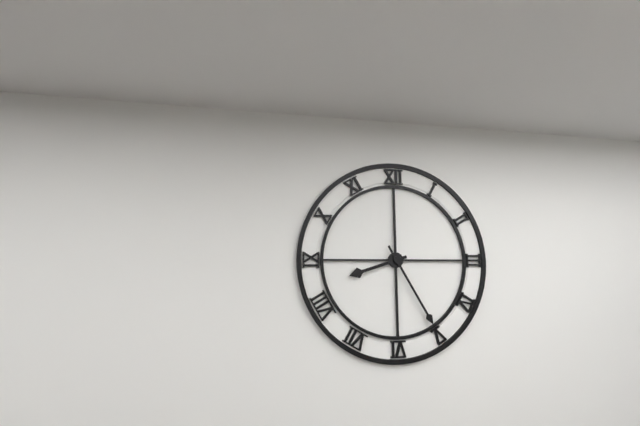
8.25
